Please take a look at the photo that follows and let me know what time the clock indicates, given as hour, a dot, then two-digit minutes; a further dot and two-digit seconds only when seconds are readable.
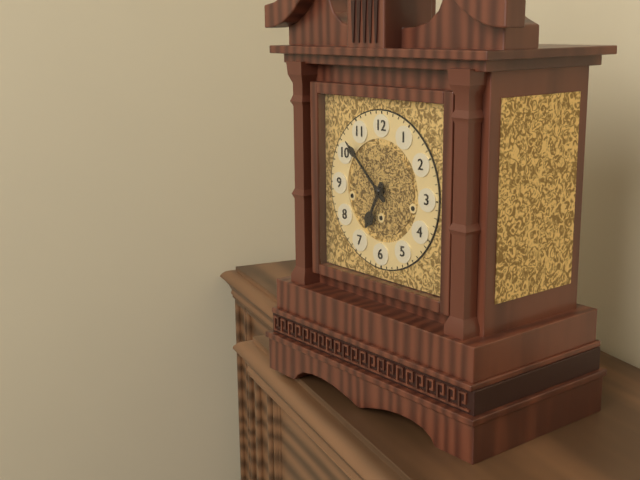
6.52
